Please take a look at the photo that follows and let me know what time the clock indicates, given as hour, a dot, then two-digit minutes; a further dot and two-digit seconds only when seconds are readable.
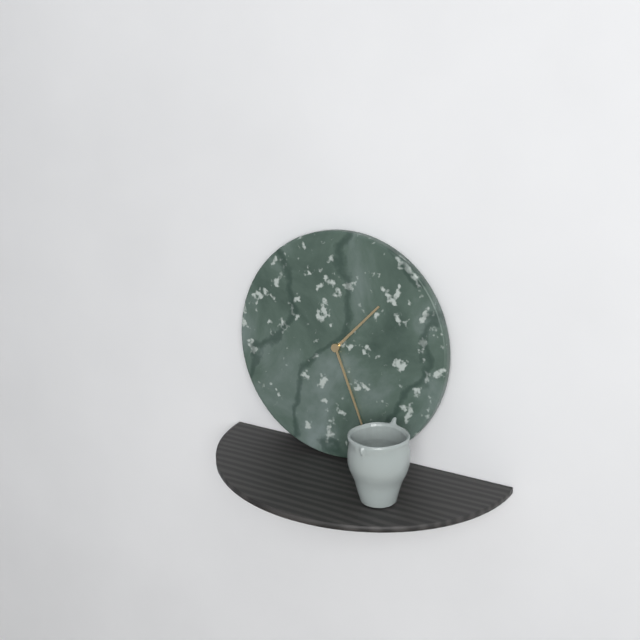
1.26
